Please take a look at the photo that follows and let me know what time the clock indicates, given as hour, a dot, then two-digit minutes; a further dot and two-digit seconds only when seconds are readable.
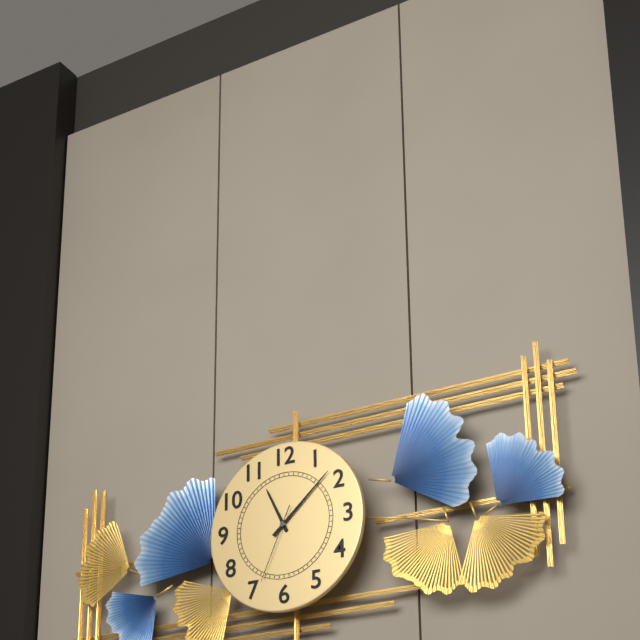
11.08.34
